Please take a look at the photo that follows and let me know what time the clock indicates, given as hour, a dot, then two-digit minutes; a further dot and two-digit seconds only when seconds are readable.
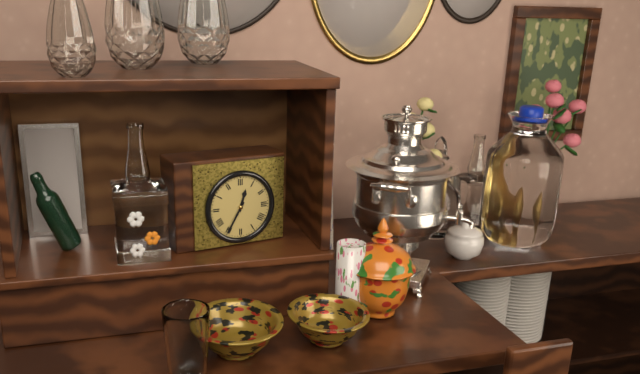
12.35
